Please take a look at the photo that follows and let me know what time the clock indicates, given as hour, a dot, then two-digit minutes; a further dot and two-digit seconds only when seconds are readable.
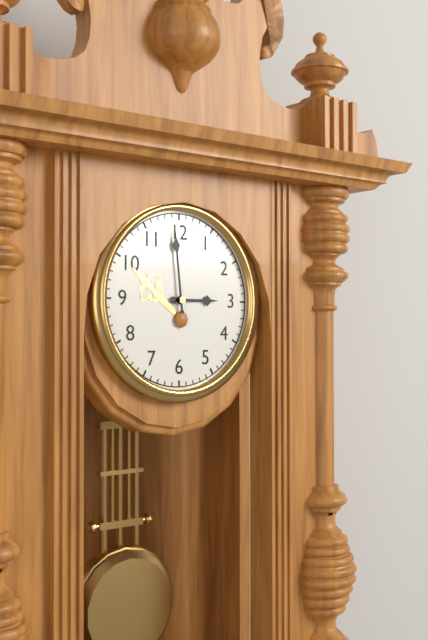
2.59
